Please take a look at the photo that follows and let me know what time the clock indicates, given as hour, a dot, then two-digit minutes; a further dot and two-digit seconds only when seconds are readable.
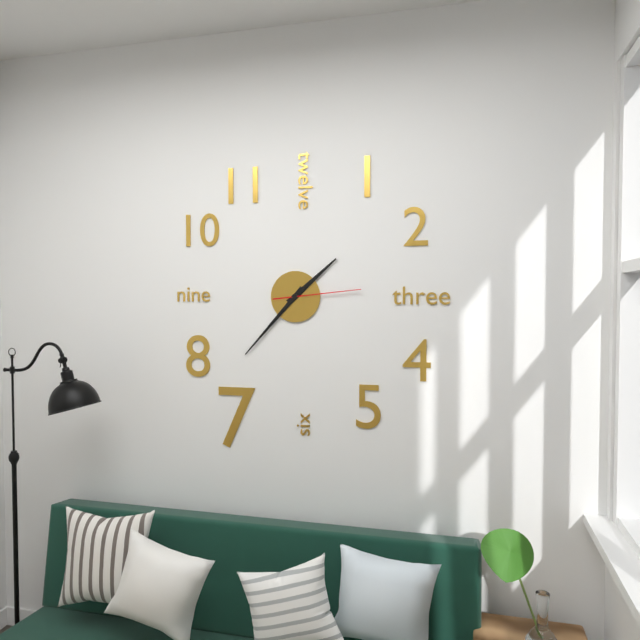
1.37.14
